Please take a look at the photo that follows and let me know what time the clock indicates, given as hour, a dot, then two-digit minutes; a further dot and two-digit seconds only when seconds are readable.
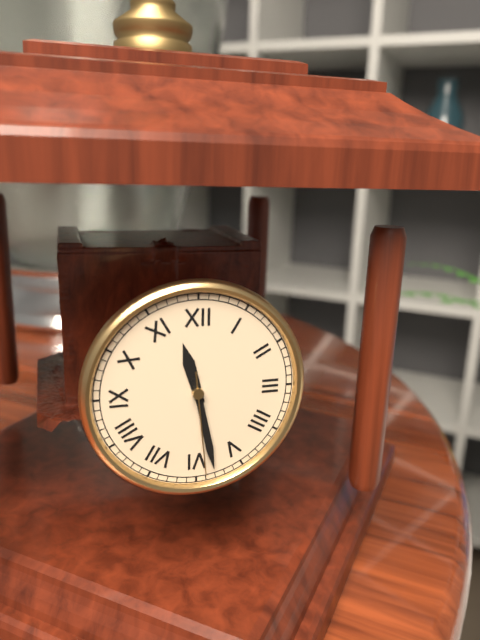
11.28.29
